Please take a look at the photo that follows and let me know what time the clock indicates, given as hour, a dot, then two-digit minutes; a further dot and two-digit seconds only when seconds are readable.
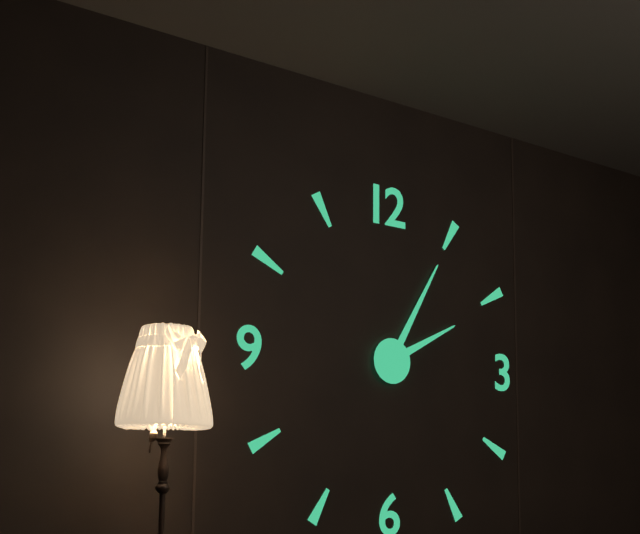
2.05
